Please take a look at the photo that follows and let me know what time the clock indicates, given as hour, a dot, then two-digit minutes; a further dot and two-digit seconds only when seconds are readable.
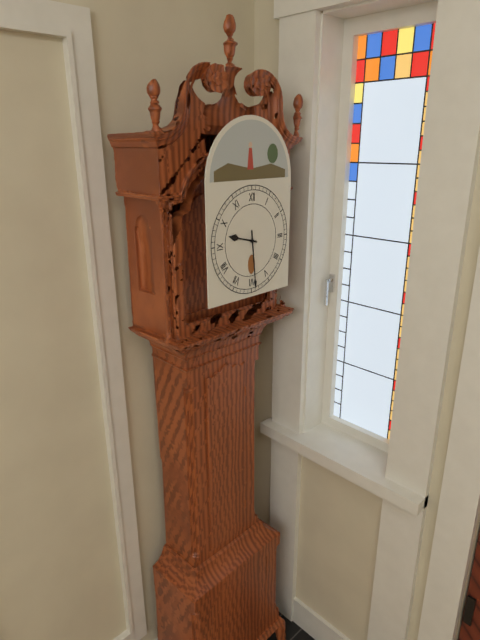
9.29
